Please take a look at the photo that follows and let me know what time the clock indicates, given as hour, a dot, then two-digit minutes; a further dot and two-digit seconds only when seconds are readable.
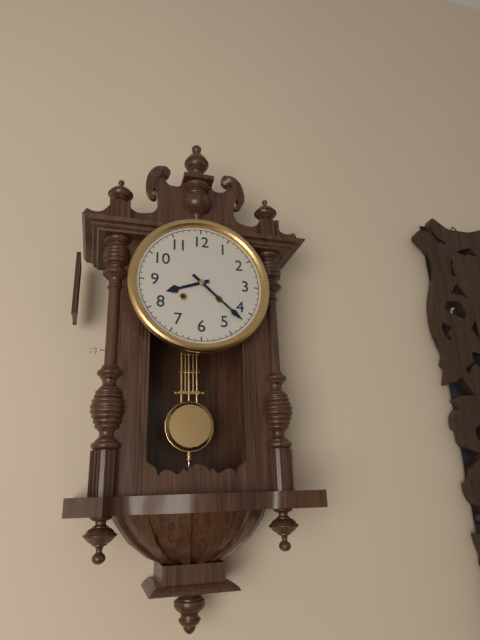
8.22
